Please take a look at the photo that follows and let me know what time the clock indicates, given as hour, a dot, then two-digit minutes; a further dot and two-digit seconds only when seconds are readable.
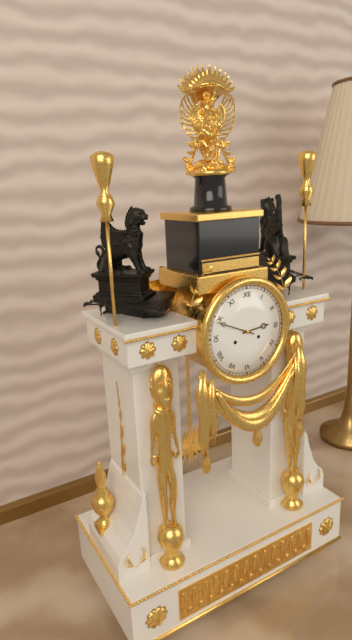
2.49
